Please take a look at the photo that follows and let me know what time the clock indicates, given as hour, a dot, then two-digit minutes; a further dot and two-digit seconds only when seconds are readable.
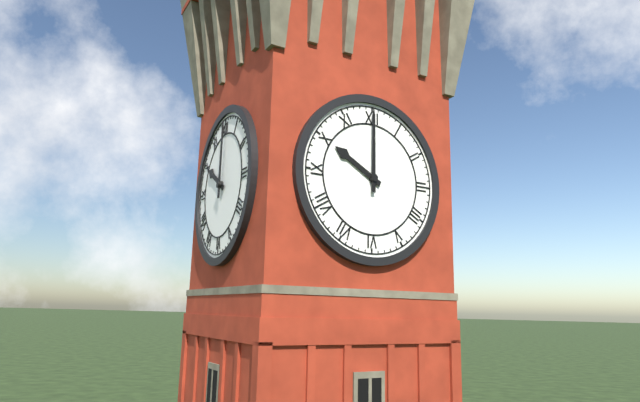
10.00
